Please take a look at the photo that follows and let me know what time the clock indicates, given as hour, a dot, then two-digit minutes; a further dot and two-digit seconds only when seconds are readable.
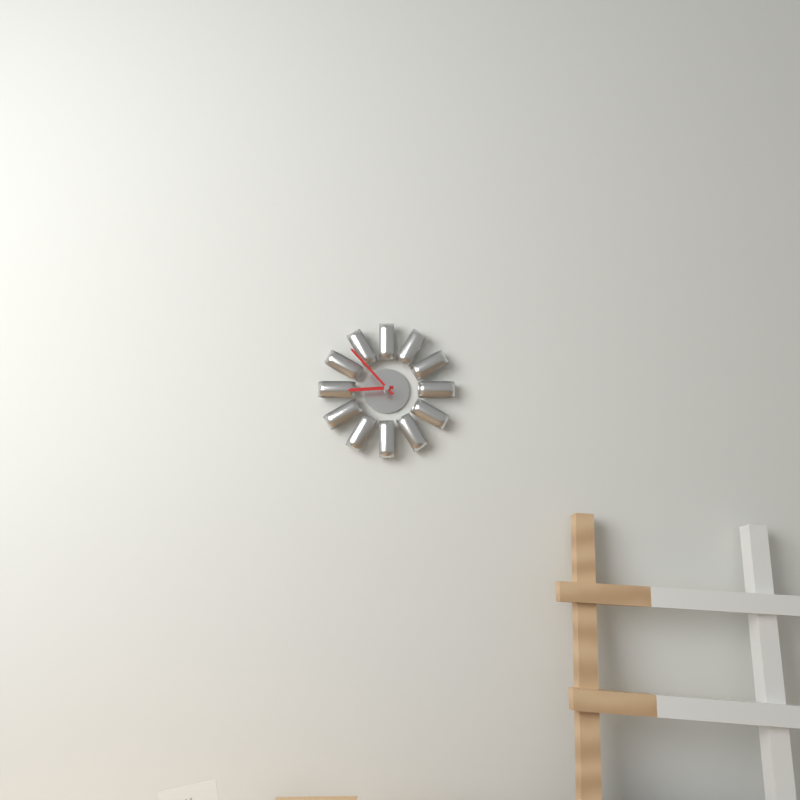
8.53
